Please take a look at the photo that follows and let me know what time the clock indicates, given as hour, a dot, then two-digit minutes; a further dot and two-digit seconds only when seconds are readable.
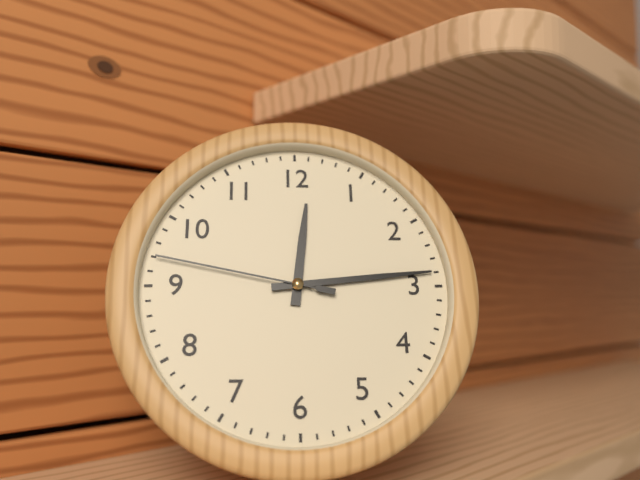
12.14.47
